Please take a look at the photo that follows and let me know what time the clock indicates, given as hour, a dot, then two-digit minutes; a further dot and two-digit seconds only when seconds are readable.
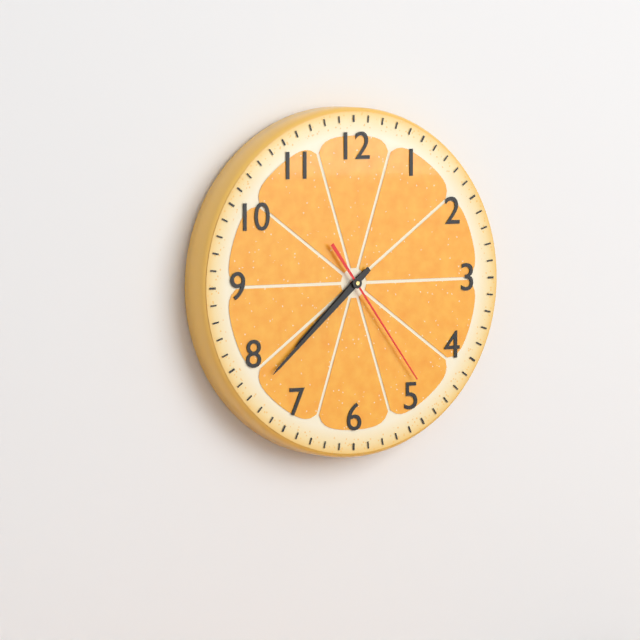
7.38.24
